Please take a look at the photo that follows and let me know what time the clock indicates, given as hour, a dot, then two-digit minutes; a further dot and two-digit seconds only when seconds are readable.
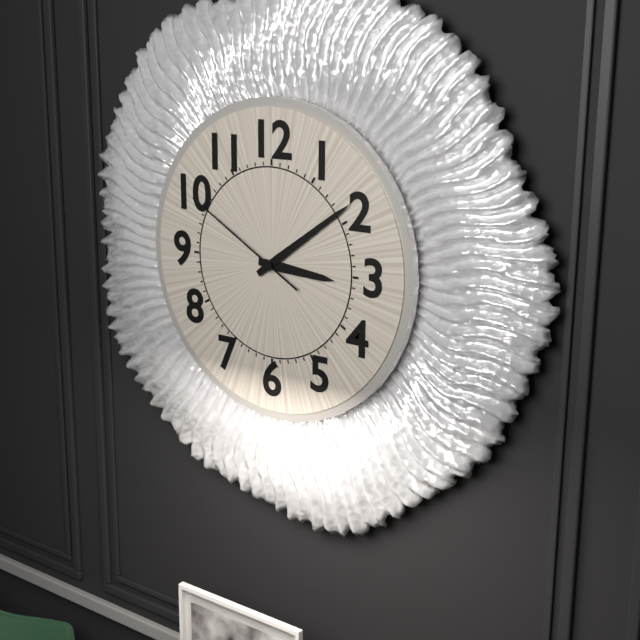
3.09.50
